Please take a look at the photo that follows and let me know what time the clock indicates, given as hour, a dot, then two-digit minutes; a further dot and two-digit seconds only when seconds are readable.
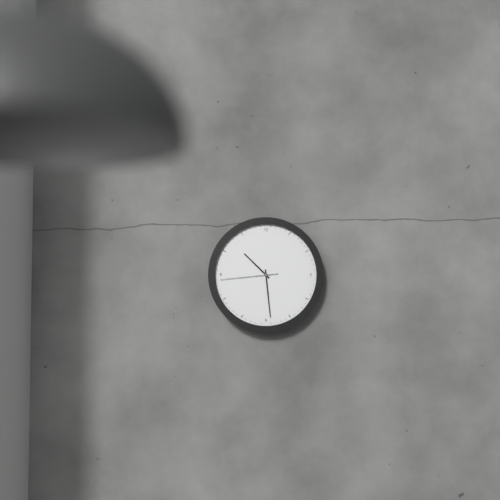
10.29.44
